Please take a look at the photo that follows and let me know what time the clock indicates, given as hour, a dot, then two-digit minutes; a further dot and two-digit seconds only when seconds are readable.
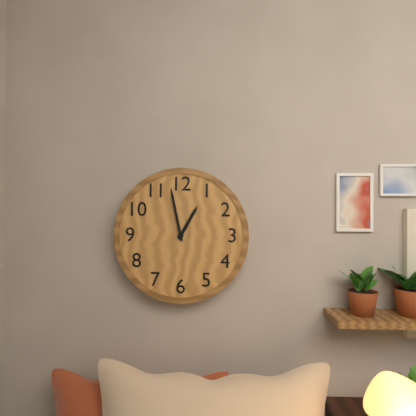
12.58
